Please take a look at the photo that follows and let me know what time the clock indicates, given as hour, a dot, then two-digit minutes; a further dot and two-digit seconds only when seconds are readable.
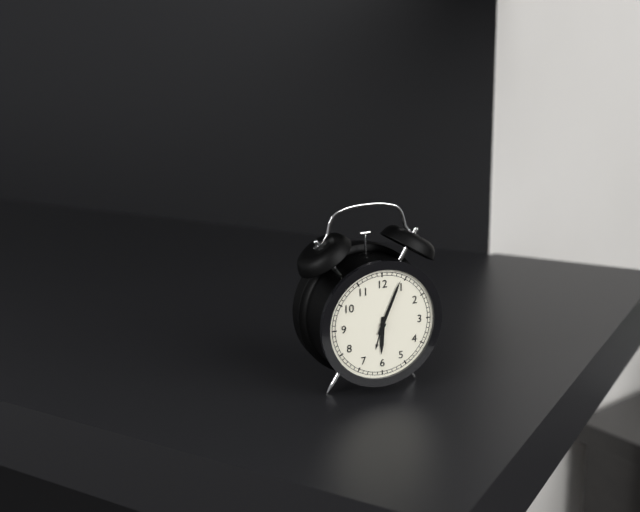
6.04
